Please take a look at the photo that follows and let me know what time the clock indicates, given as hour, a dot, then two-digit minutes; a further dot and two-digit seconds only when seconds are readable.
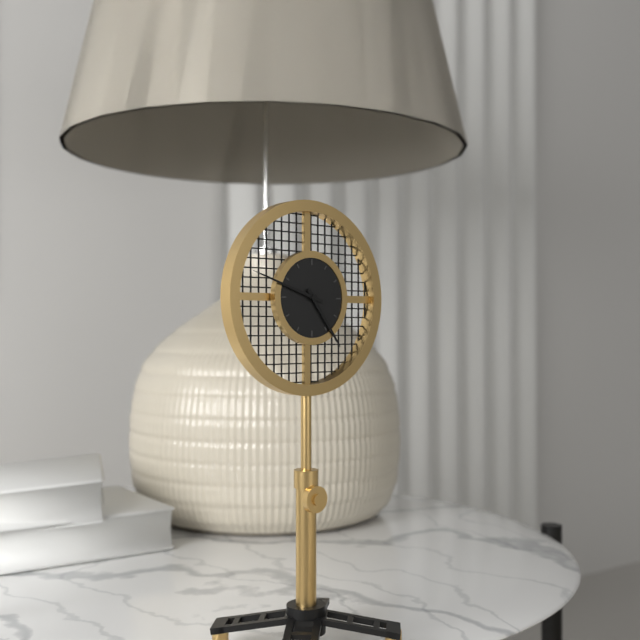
4.48
